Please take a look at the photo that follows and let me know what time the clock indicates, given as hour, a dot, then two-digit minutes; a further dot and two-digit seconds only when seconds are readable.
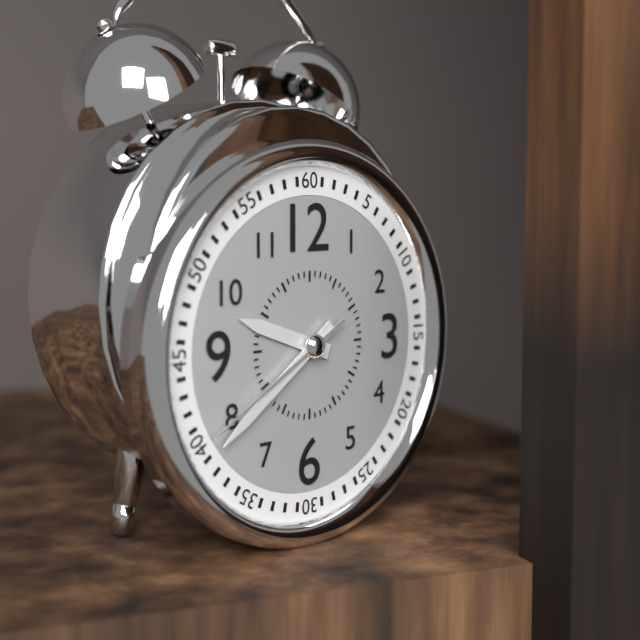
9.39.40
